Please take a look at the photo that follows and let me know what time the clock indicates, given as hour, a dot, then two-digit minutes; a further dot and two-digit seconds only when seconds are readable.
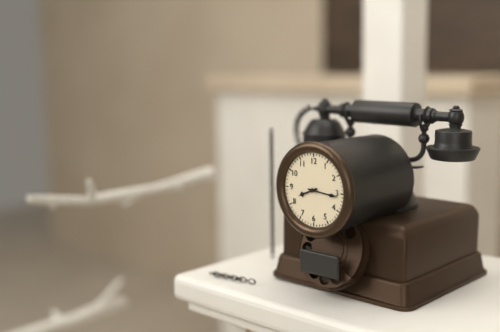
8.16
